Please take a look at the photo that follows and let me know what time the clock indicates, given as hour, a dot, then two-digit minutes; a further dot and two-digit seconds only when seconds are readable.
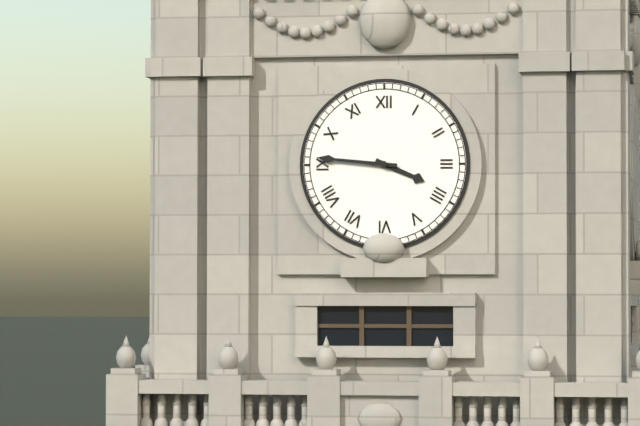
3.46
